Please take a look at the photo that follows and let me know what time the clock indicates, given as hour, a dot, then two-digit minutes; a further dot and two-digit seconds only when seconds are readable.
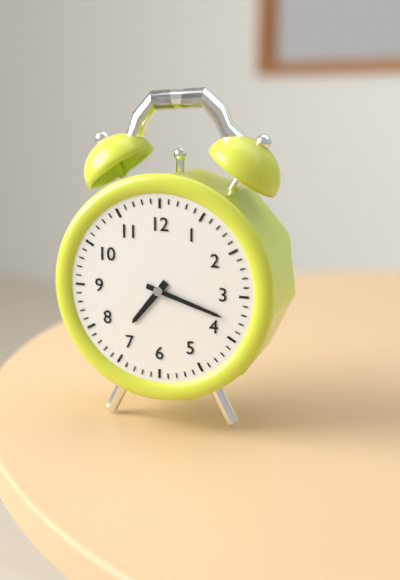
7.18
